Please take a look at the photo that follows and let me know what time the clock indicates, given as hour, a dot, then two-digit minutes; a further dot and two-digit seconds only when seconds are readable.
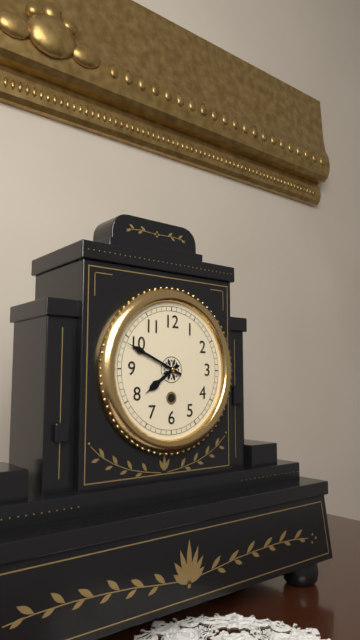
7.49
